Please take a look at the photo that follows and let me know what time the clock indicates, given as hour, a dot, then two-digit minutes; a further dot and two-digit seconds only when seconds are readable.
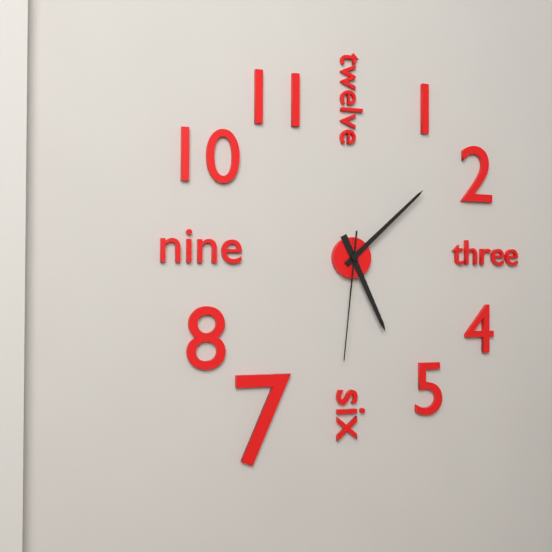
5.08.31
